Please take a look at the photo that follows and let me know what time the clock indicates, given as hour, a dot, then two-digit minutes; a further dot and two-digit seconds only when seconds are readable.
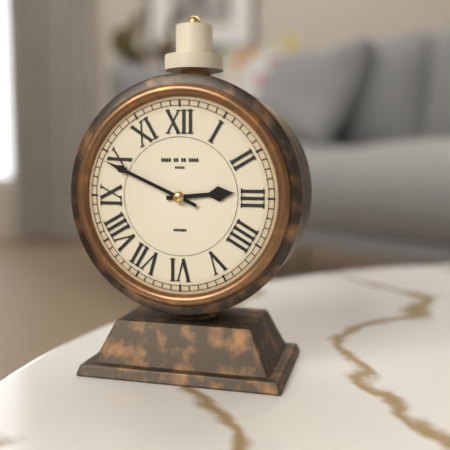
2.49
